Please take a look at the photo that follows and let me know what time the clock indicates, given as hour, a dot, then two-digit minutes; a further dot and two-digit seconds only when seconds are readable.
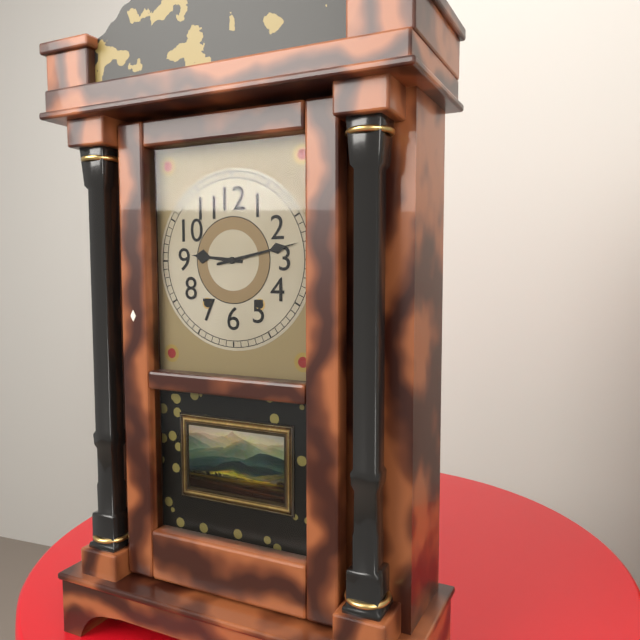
9.13
